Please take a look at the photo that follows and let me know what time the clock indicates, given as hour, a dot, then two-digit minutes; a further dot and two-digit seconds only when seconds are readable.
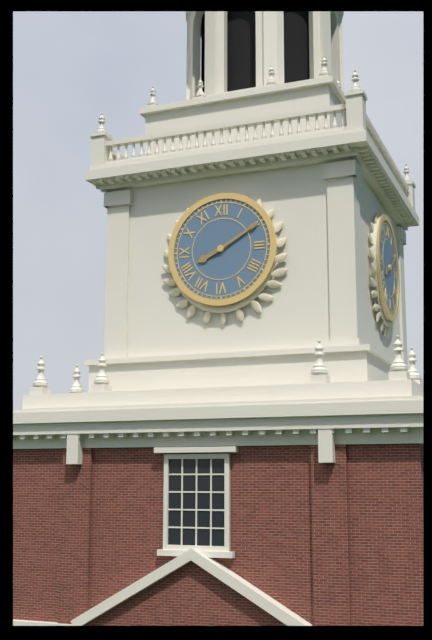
8.10
